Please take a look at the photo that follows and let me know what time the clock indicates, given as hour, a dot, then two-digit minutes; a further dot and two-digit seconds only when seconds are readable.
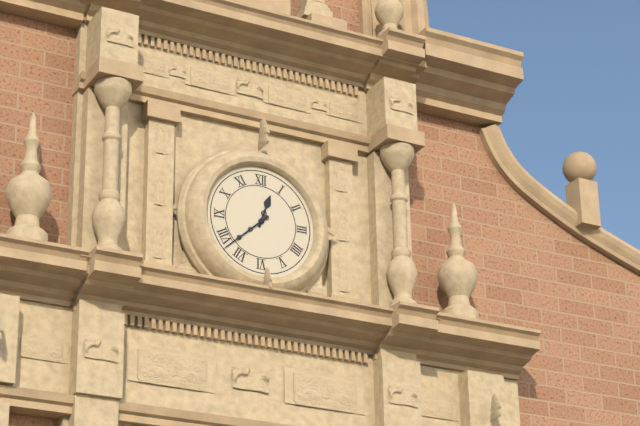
12.38
